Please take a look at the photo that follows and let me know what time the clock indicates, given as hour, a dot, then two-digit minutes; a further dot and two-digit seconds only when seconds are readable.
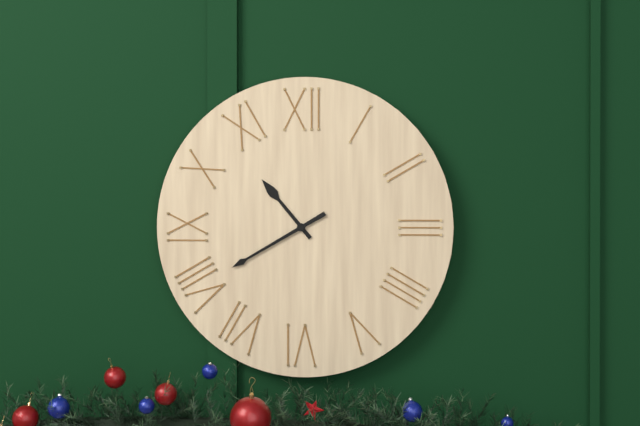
10.40
